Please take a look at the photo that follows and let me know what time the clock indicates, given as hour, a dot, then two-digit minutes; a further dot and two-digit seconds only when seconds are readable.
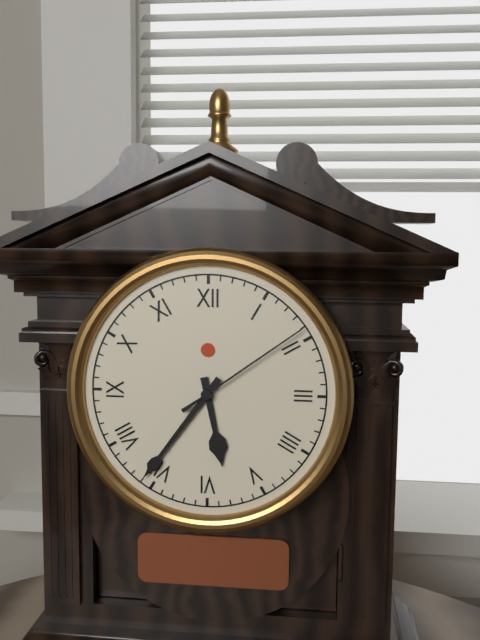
5.36.09
